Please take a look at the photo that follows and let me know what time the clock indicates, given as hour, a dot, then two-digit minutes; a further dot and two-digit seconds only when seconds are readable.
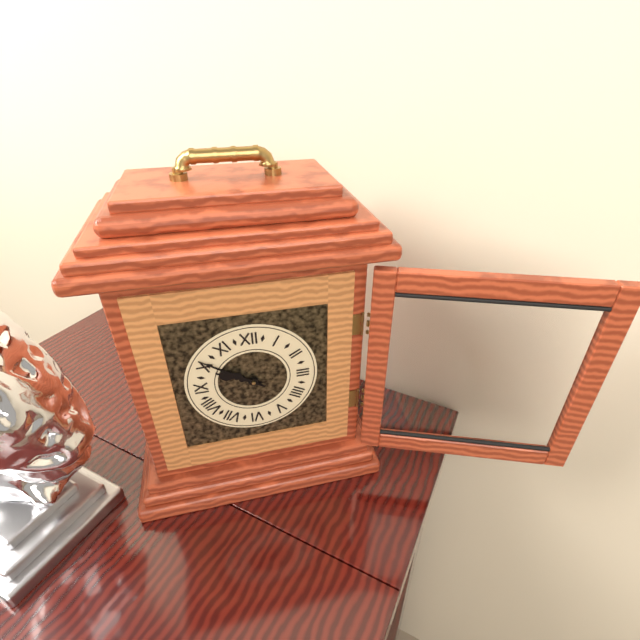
9.51
